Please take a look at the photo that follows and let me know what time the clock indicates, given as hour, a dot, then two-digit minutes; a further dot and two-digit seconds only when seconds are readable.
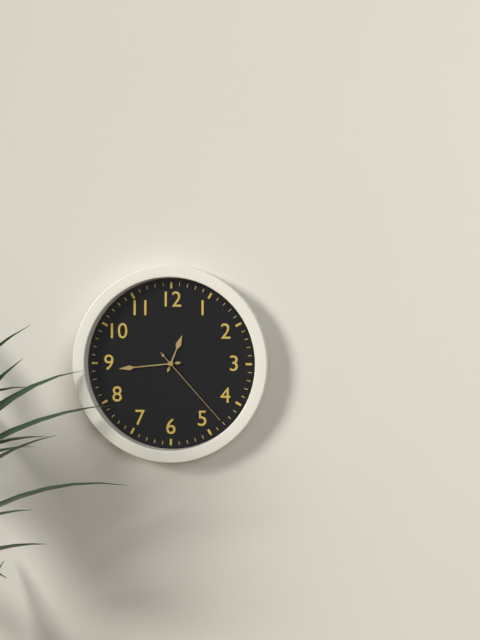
12.44.23
